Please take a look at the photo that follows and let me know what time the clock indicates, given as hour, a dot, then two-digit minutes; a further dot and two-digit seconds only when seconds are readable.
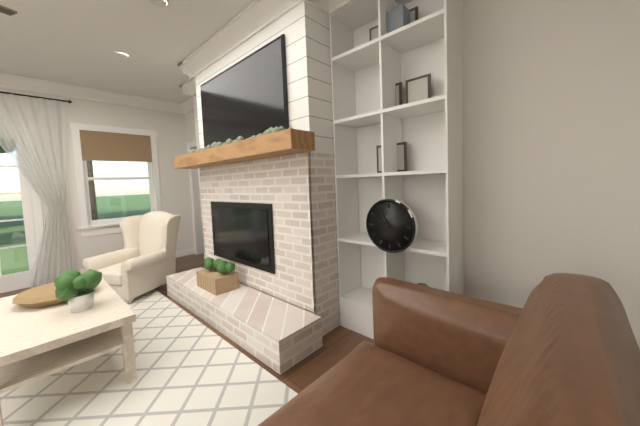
9.55
